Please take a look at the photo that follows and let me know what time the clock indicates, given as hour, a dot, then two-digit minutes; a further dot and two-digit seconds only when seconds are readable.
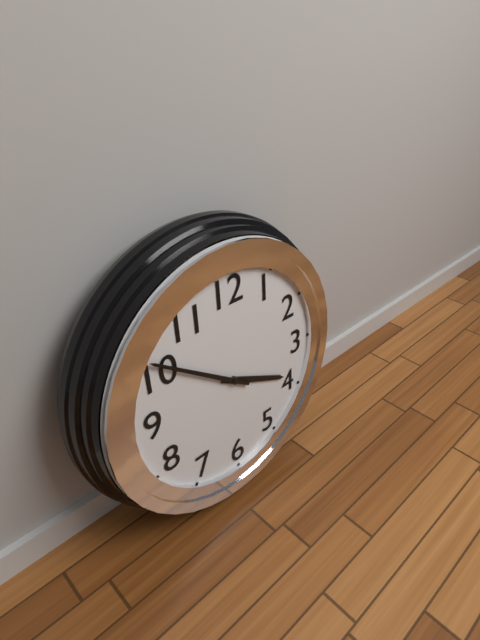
3.51
